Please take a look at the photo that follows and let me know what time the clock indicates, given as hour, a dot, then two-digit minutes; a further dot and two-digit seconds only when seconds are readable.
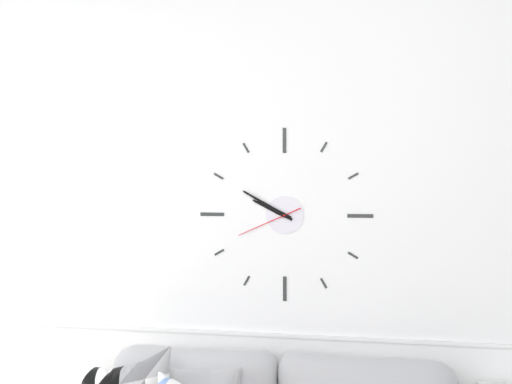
9.50.41
